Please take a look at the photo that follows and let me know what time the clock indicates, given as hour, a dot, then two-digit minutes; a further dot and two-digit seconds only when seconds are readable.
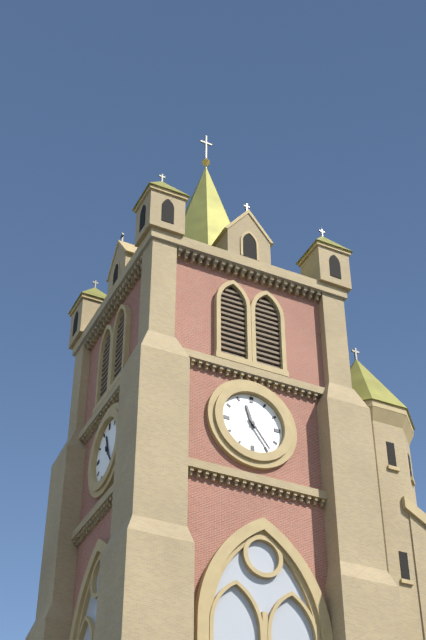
11.24
